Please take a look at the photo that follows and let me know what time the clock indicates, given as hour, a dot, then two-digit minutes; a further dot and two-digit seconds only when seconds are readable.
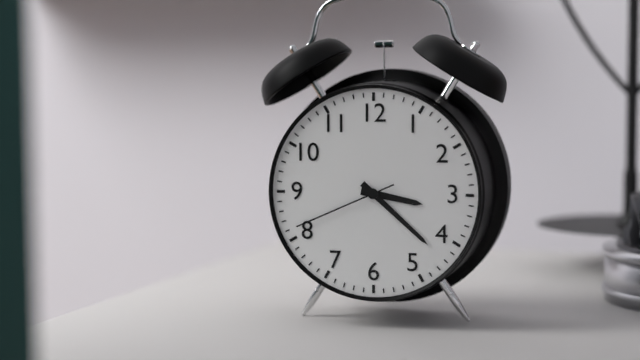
3.22.41
